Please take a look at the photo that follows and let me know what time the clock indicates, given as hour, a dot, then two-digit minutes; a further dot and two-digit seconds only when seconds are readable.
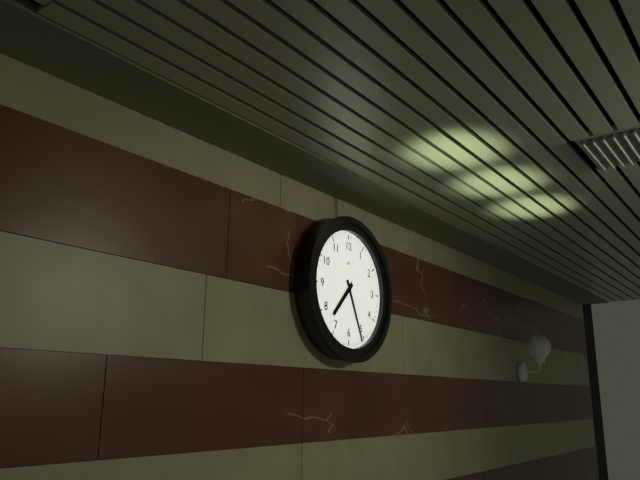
7.26
